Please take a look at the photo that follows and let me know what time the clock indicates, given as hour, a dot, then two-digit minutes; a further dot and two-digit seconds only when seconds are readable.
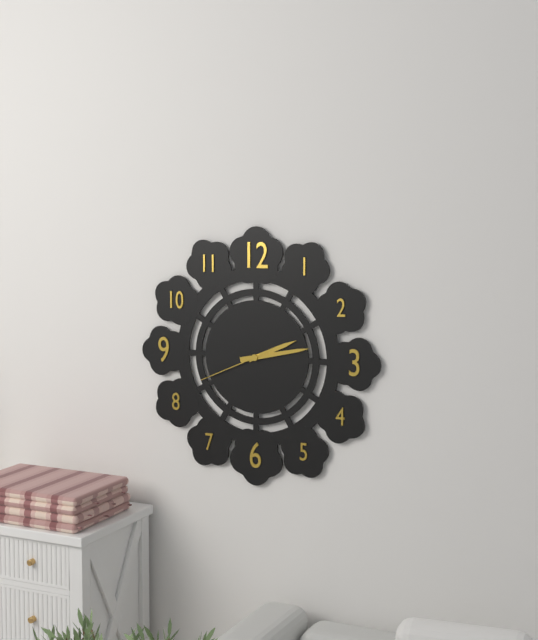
2.13.41
